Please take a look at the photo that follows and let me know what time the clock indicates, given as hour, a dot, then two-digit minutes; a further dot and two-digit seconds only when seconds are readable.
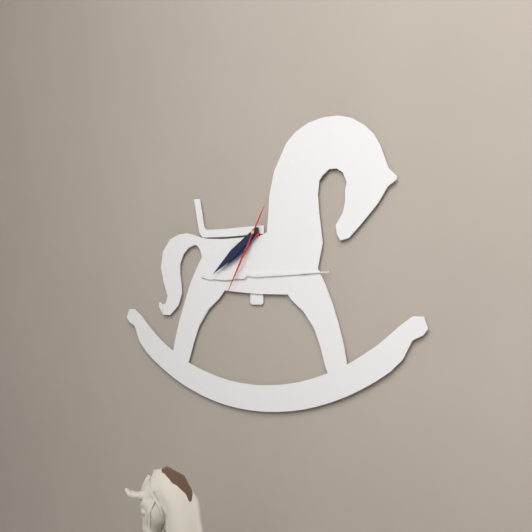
7.39.35
